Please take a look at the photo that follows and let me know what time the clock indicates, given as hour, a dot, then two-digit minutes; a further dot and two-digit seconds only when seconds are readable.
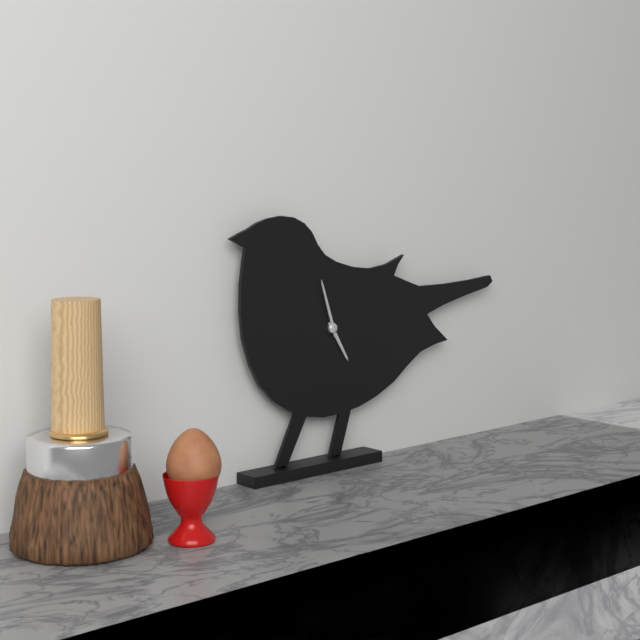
4.57
